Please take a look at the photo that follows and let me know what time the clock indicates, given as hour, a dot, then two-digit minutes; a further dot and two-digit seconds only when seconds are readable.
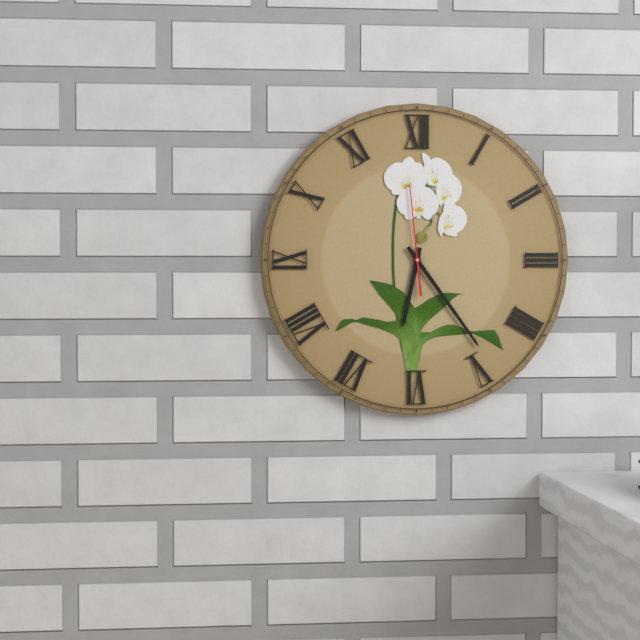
6.24.59
